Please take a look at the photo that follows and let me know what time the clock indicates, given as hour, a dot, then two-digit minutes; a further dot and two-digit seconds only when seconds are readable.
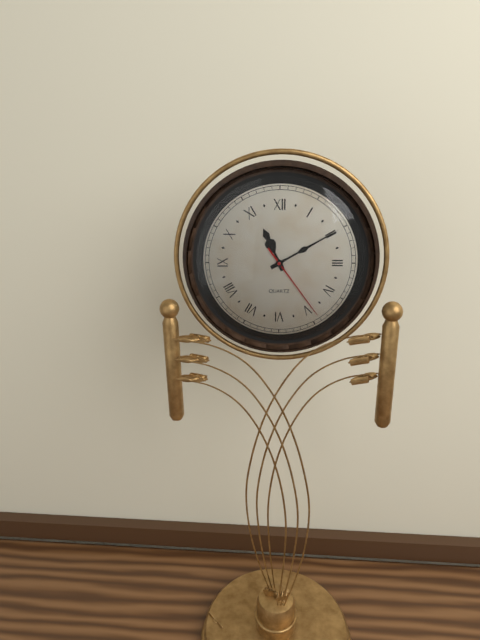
11.10.24
